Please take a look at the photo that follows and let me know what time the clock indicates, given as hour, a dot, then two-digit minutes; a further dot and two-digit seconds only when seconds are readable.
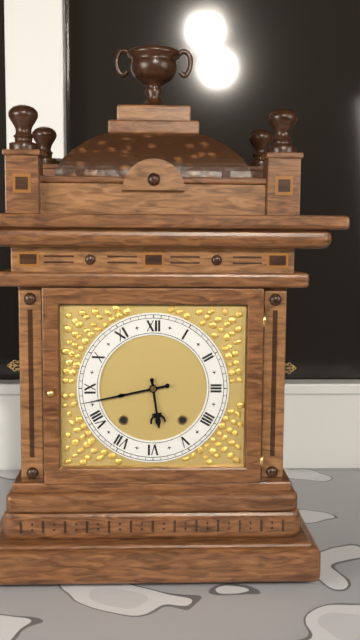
5.43
